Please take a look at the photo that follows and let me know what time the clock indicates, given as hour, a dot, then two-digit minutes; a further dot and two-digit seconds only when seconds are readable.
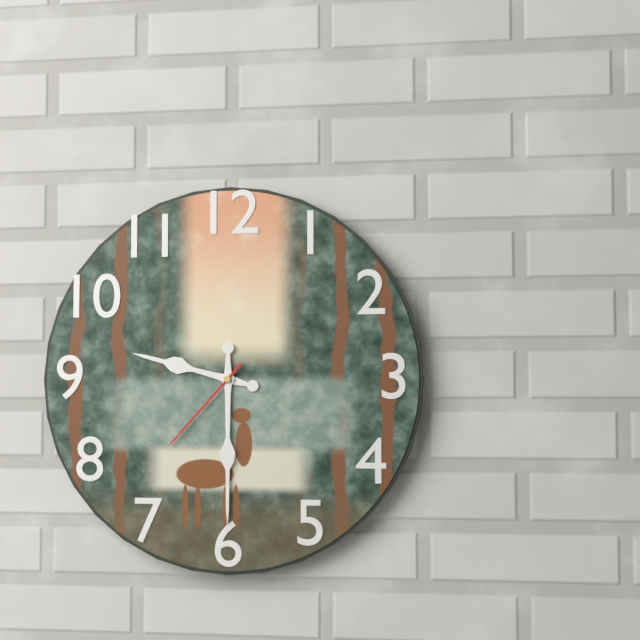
9.30.37
